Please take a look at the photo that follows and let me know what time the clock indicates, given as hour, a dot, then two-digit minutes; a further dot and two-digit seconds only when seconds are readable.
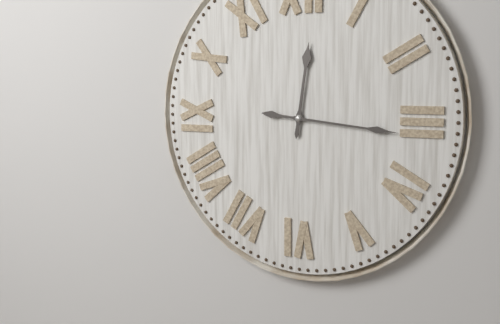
12.16
